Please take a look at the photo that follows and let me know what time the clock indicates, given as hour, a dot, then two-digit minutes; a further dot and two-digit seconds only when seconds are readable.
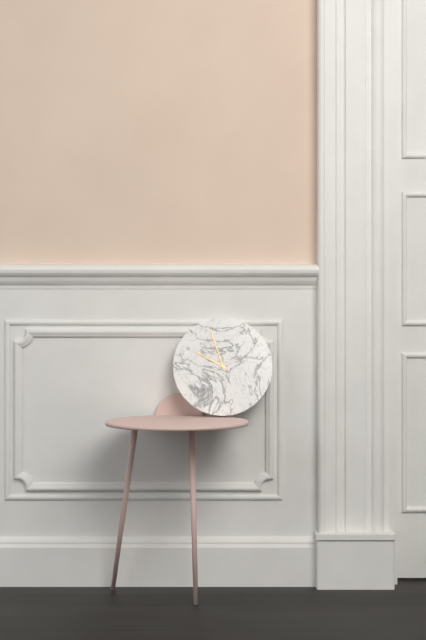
9.57
